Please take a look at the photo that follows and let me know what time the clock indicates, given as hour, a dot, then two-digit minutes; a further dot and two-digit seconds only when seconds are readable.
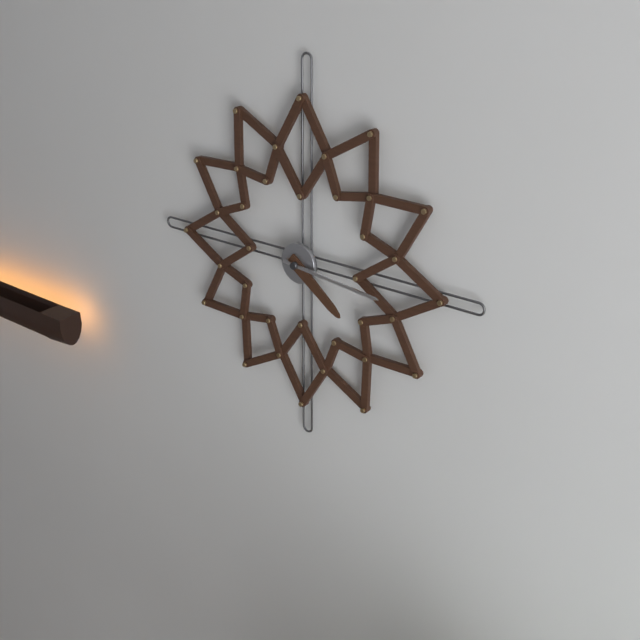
4.16
